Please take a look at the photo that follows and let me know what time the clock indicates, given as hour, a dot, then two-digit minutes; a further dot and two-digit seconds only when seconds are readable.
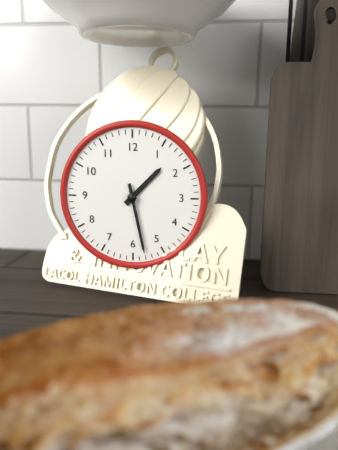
1.28
